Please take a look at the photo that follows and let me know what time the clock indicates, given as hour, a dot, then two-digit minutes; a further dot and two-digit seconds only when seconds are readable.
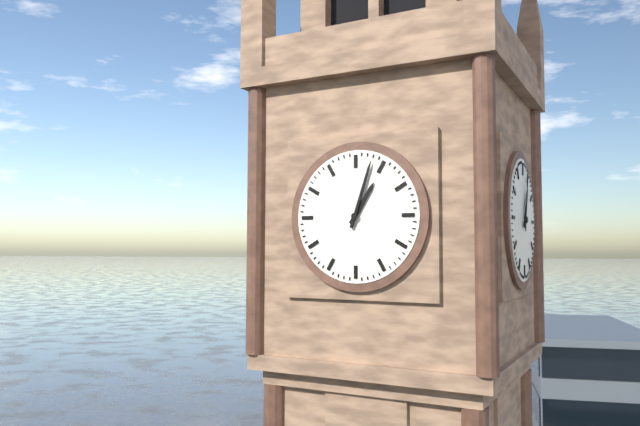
1.03
